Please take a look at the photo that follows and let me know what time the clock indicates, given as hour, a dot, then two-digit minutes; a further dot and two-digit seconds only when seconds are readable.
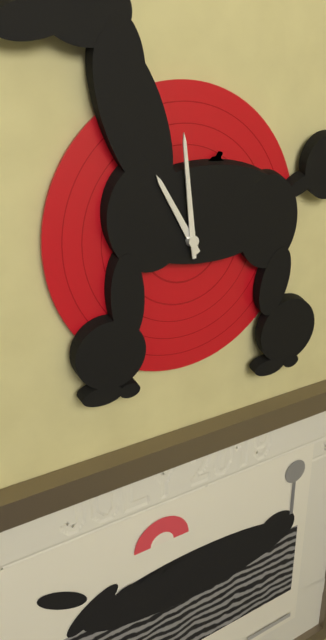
10.59
